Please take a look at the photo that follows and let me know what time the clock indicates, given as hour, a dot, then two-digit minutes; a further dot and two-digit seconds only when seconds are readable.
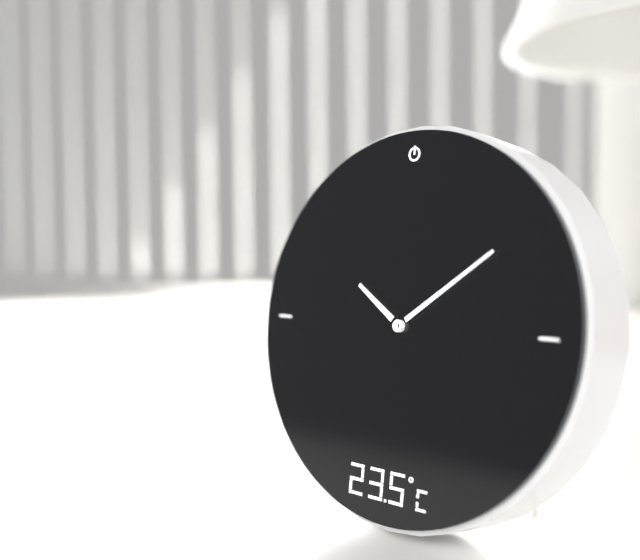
10.09
